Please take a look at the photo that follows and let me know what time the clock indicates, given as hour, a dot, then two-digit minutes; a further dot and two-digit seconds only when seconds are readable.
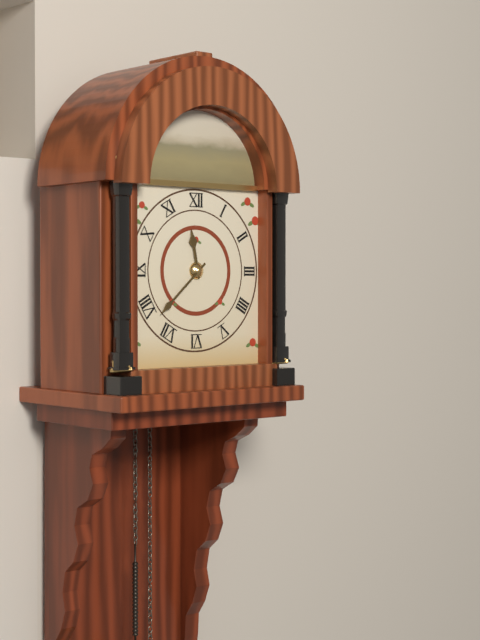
11.38
